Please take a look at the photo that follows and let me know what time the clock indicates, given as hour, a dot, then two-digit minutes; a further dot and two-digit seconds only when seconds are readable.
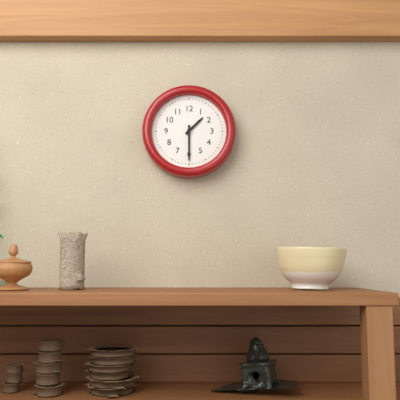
1.30
